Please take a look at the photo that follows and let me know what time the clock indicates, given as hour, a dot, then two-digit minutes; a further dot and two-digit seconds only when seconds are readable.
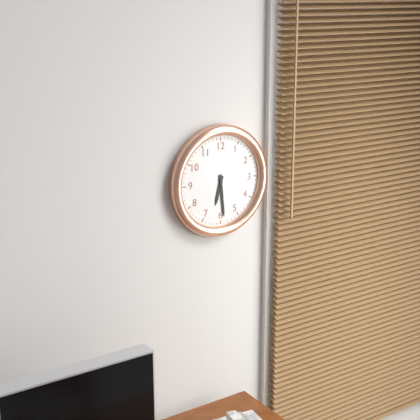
6.29
